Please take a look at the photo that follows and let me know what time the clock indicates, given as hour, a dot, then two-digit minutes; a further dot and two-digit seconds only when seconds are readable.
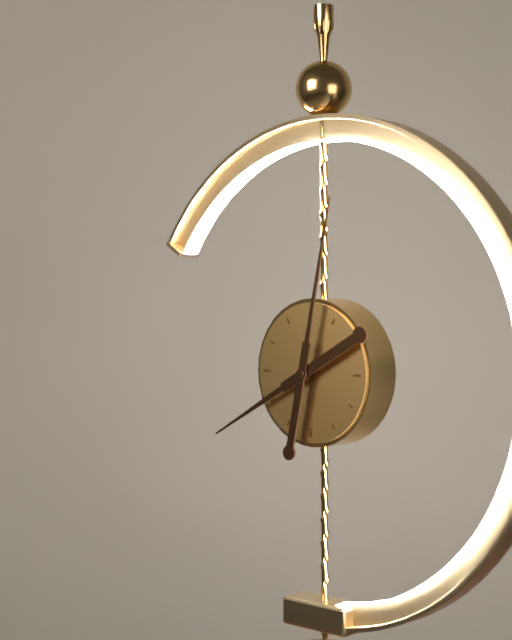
8.02
